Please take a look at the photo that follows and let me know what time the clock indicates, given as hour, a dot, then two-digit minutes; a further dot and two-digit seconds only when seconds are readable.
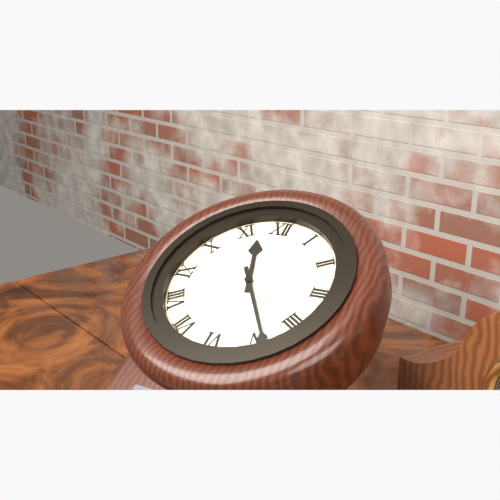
11.24
